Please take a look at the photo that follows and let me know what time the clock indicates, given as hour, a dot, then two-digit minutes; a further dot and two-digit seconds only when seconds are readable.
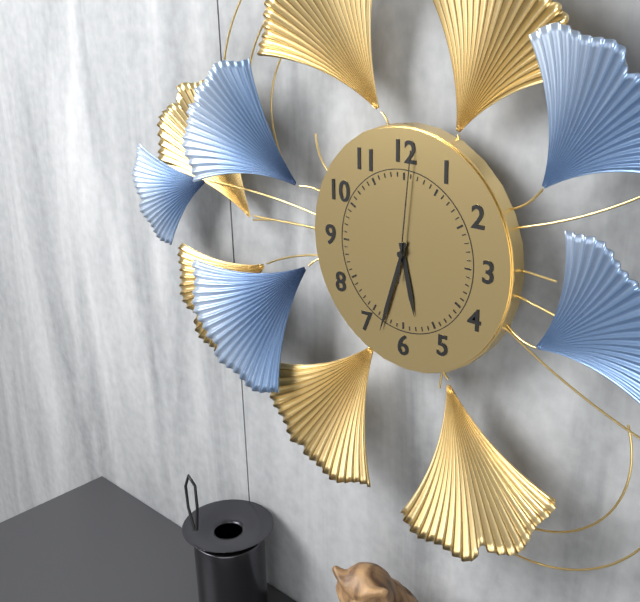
5.33.01
